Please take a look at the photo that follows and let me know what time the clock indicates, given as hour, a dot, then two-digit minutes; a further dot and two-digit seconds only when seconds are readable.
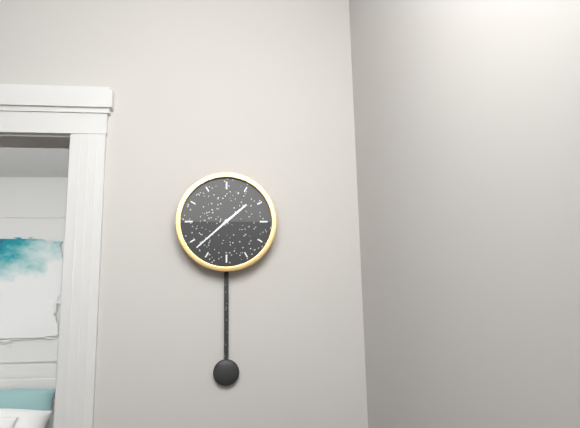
1.38
